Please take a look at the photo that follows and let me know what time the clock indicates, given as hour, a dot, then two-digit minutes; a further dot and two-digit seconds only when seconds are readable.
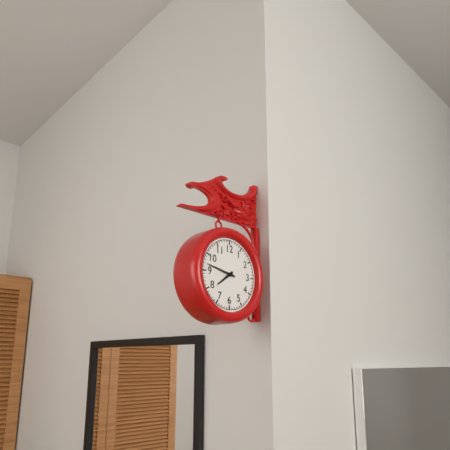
7.47
